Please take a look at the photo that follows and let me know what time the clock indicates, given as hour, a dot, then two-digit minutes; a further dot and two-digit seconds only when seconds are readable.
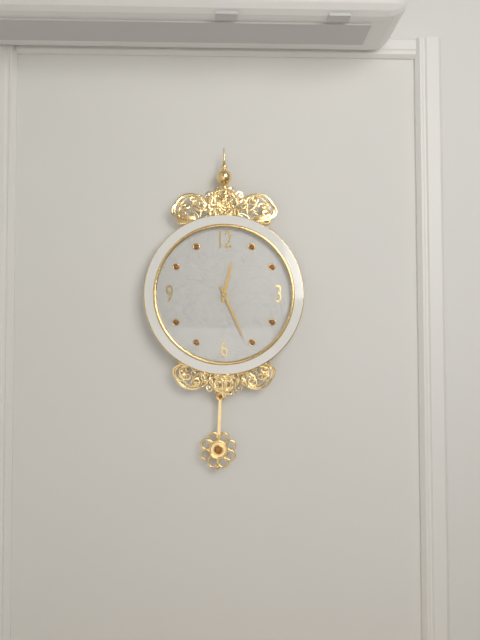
12.26
